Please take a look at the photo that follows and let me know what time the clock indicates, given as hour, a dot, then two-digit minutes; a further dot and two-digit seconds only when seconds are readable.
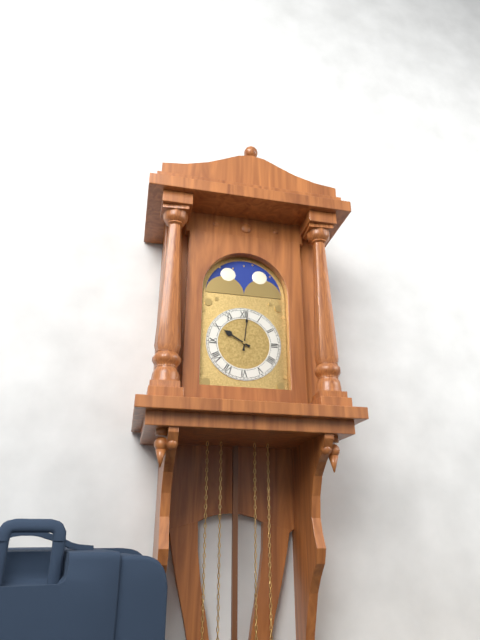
10.01
